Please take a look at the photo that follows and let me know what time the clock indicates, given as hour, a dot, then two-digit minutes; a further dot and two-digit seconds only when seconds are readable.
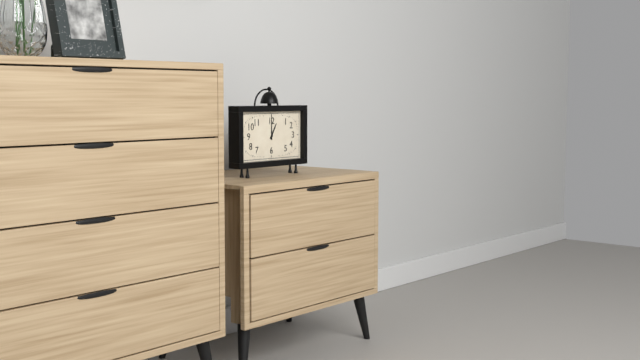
1.00
